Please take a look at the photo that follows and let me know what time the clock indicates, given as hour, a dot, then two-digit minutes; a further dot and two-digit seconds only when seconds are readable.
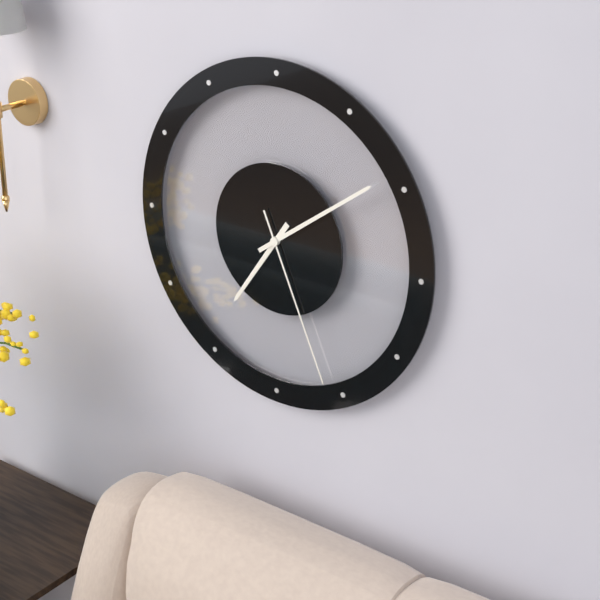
7.09.26
